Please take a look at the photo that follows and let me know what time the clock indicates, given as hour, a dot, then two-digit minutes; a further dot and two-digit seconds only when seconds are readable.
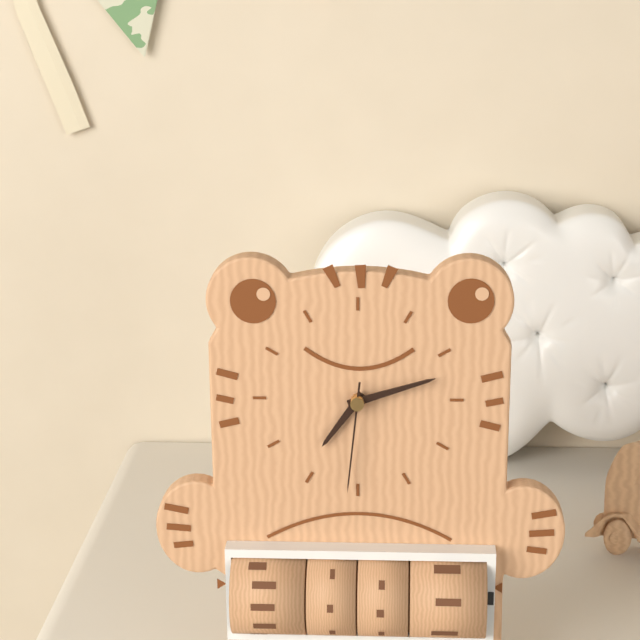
7.12.31
